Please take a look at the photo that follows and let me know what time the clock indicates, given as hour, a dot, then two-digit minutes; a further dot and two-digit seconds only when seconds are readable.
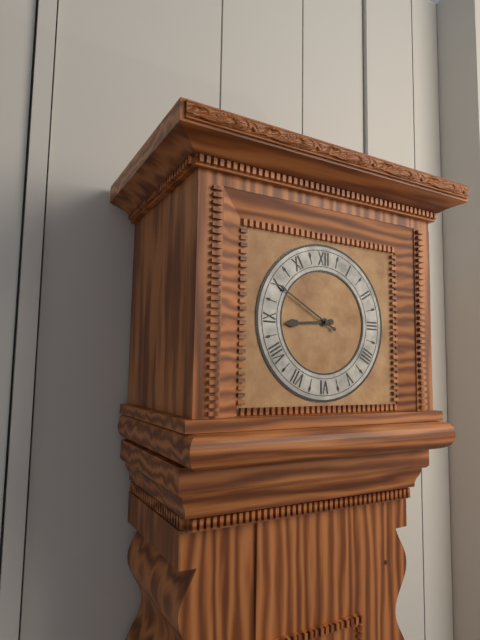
8.50
